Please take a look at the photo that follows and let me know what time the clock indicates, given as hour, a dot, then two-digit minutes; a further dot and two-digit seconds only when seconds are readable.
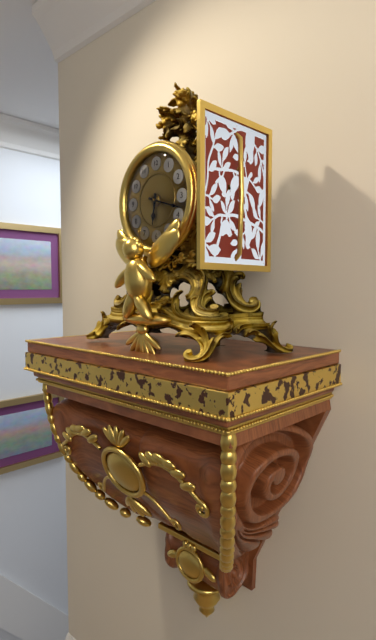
6.18
